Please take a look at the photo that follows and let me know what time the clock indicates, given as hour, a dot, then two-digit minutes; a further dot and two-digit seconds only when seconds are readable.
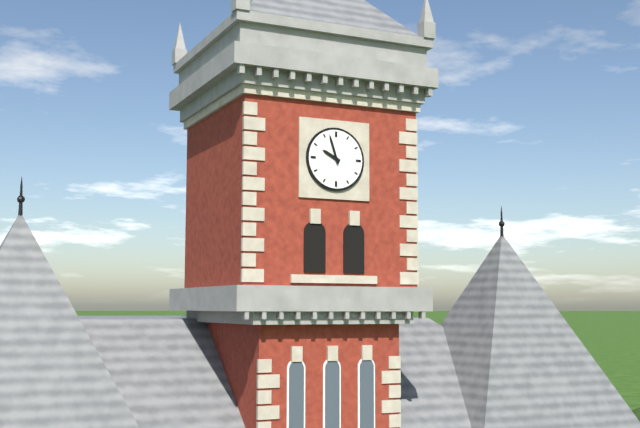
9.57
